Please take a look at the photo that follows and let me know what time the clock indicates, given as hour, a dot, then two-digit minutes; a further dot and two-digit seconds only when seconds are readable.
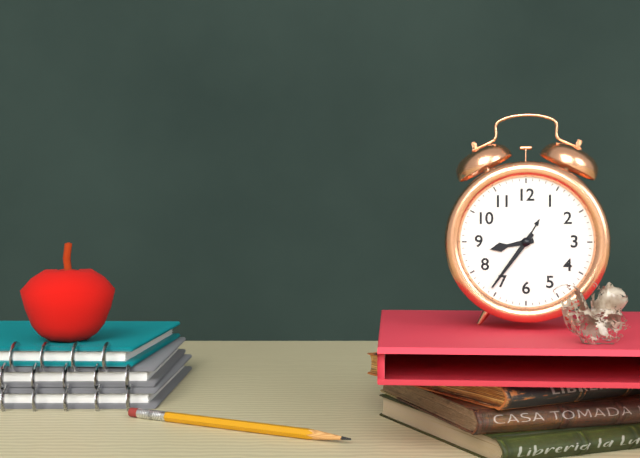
8.36
